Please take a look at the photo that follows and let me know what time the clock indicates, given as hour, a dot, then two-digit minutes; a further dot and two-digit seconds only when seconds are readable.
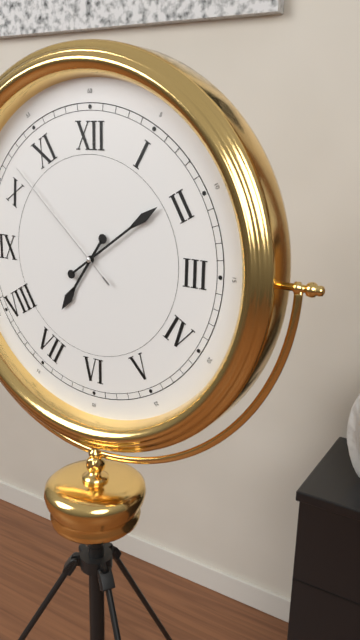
7.09.52
